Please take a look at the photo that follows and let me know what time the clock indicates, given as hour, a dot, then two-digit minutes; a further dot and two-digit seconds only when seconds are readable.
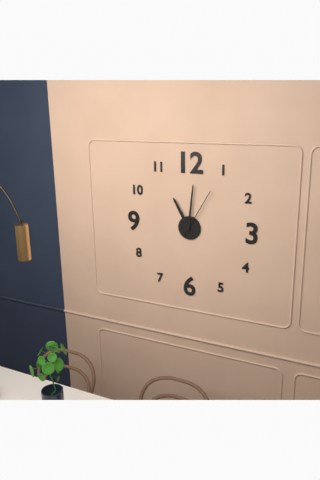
11.01.05
